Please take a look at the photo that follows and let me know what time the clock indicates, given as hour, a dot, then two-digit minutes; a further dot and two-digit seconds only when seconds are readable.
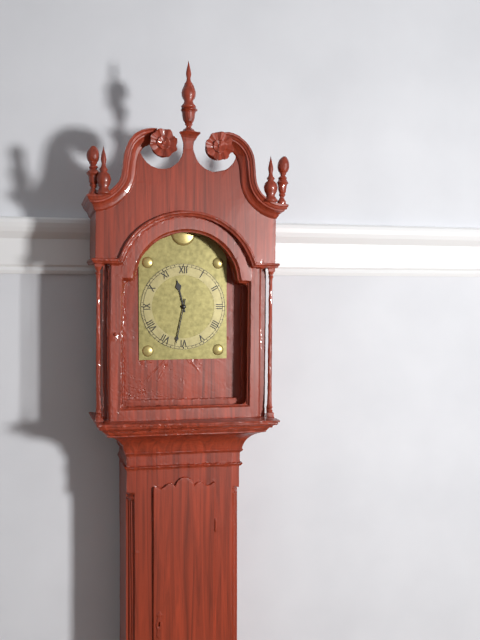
11.32
